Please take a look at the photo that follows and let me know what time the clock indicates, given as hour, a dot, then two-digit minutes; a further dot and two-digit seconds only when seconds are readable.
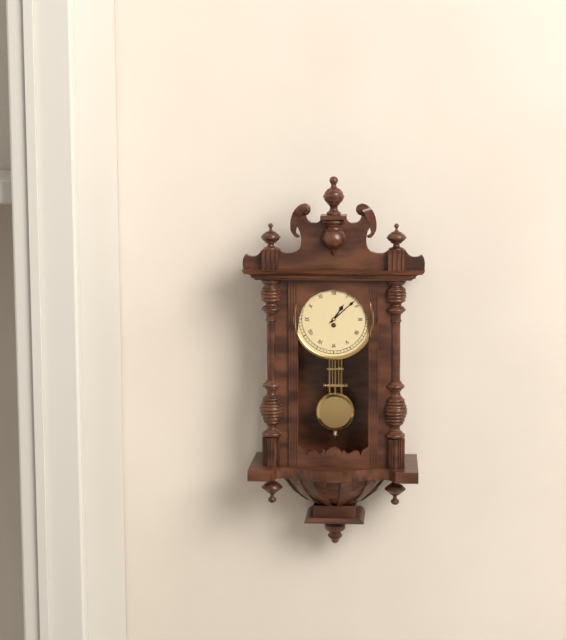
1.08
